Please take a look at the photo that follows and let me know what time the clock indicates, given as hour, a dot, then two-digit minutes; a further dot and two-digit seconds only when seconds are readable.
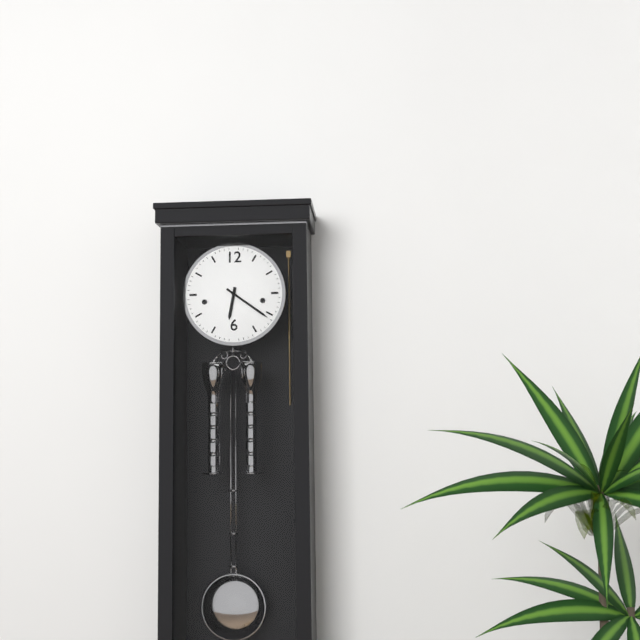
6.21
